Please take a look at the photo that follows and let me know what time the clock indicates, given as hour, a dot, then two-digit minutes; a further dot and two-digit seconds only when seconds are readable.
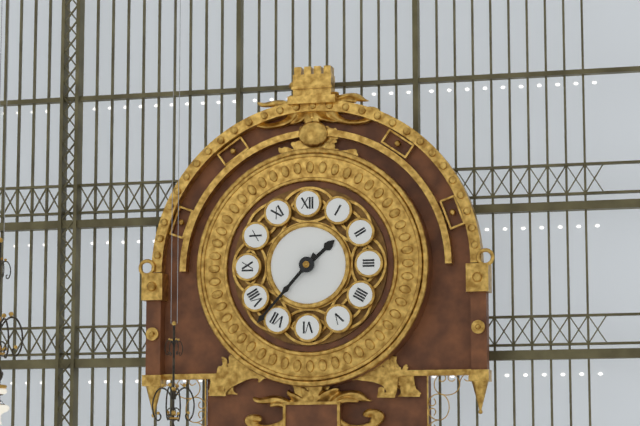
1.37
